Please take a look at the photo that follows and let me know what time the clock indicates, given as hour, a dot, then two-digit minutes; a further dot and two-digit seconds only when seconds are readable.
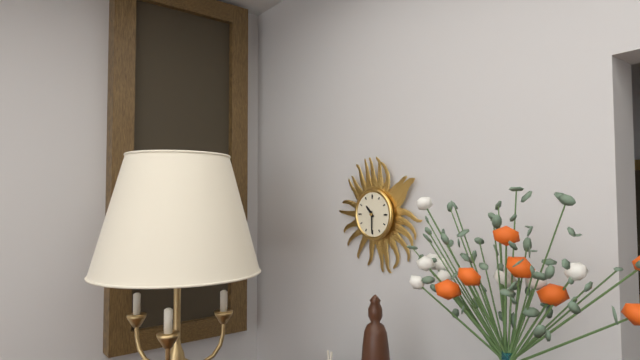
10.30
